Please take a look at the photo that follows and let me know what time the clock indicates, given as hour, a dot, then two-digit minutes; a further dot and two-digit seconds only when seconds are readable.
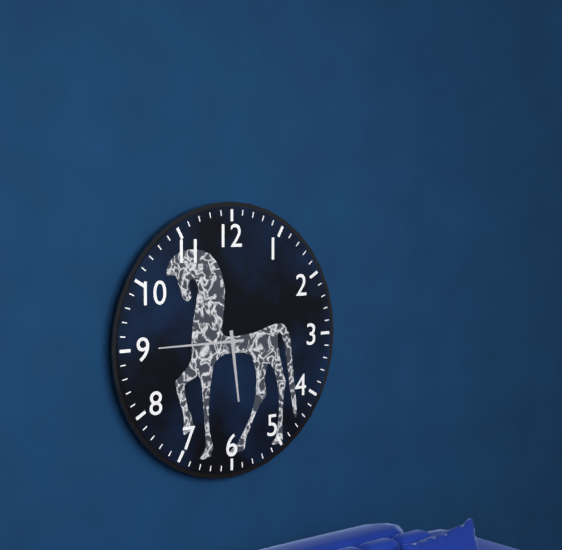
5.45
